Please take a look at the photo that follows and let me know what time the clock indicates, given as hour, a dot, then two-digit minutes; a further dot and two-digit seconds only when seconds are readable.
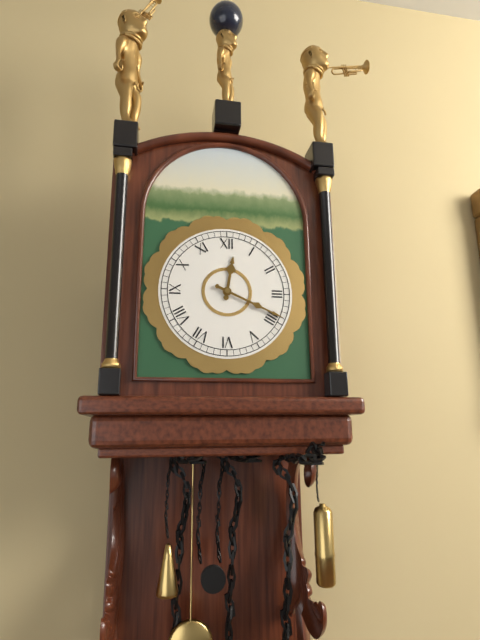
12.19
